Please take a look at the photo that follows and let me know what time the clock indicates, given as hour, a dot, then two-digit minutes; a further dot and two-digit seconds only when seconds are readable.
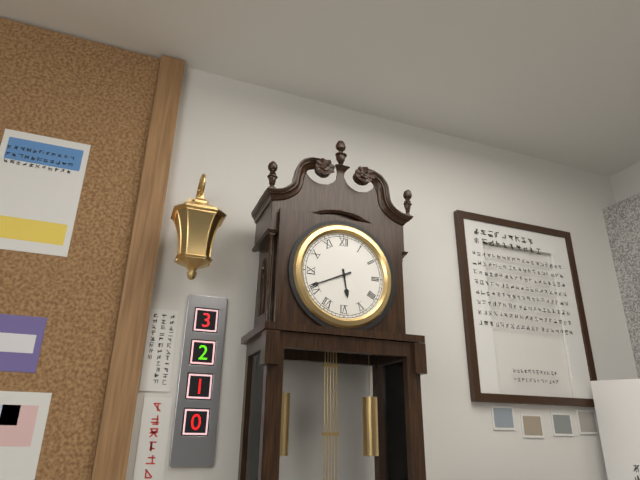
5.41
